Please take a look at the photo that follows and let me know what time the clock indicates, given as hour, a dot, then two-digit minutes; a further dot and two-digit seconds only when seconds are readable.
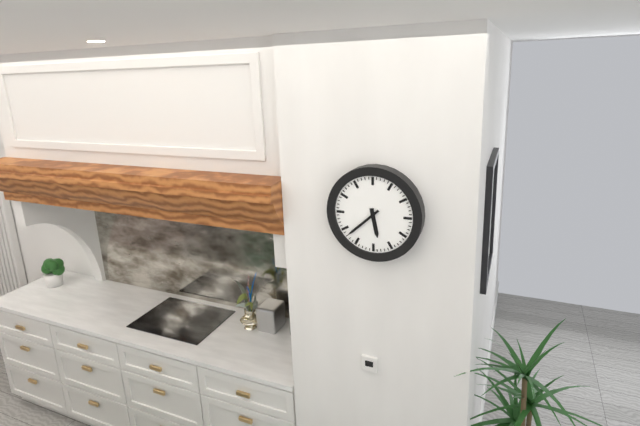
5.38
